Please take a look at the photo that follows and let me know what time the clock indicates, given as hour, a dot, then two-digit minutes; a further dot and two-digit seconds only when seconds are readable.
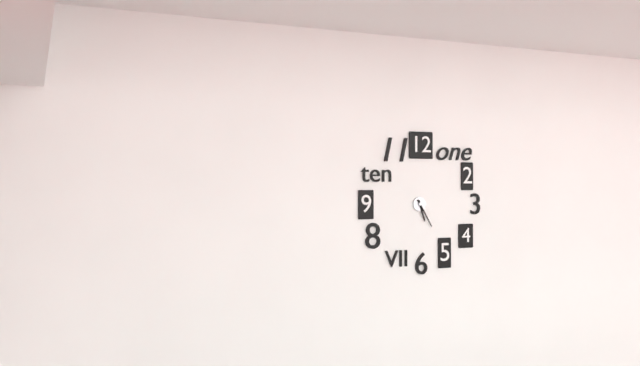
5.25
